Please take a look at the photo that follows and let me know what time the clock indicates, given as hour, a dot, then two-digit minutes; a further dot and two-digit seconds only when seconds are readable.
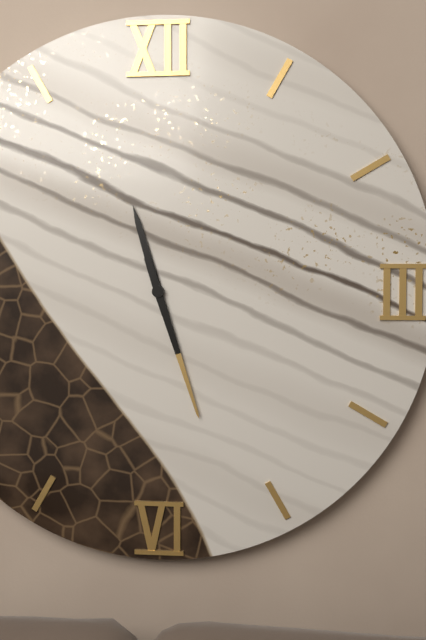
11.27
